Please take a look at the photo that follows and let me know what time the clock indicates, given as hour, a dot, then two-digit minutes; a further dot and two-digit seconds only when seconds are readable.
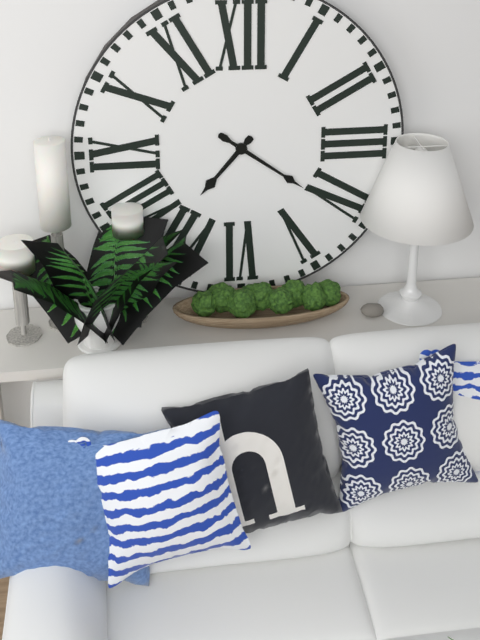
7.21
